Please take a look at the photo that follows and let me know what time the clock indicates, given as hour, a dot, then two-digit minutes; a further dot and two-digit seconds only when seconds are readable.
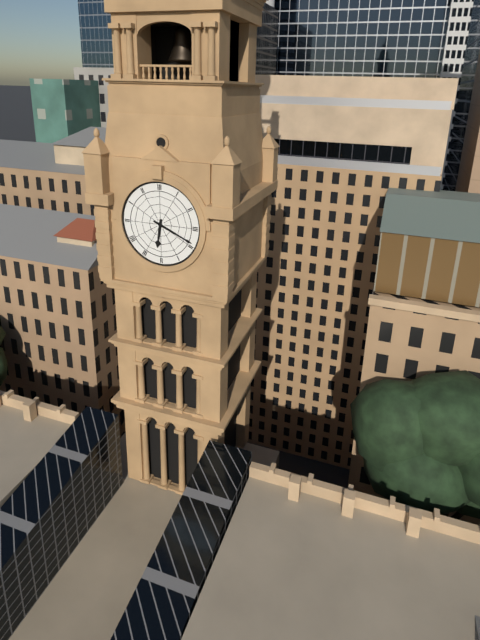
6.19
